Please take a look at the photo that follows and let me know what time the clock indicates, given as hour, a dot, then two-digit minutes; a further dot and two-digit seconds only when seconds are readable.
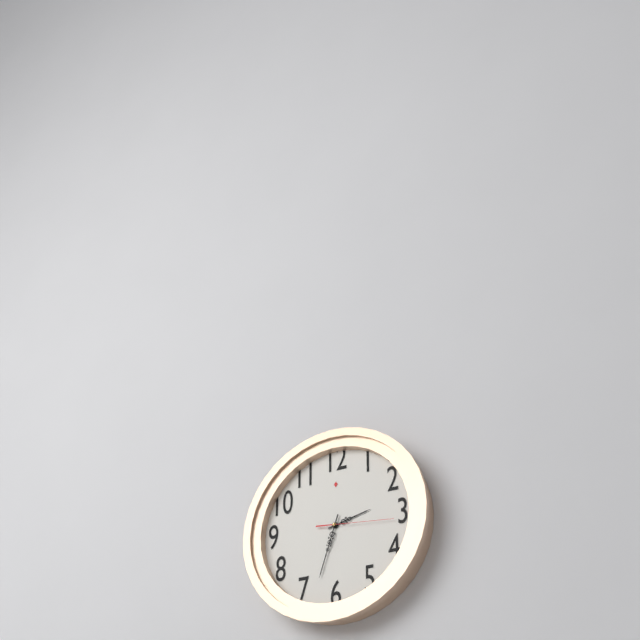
2.33.16
